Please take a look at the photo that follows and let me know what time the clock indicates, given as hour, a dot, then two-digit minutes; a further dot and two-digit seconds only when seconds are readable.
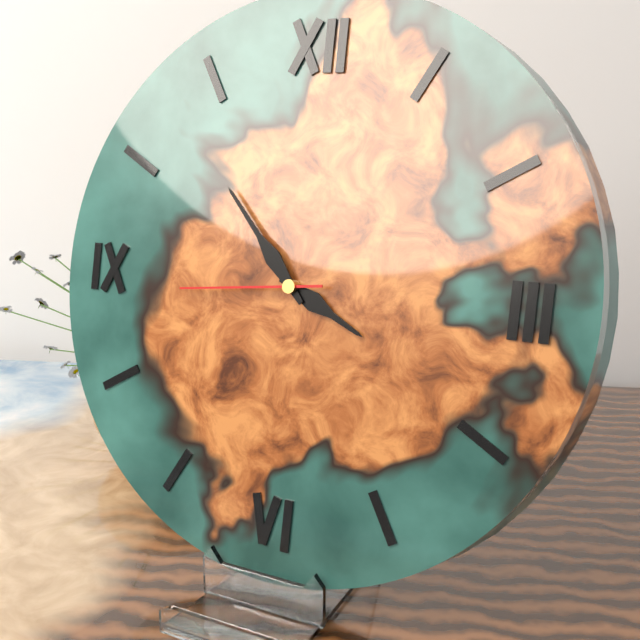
3.53.44
